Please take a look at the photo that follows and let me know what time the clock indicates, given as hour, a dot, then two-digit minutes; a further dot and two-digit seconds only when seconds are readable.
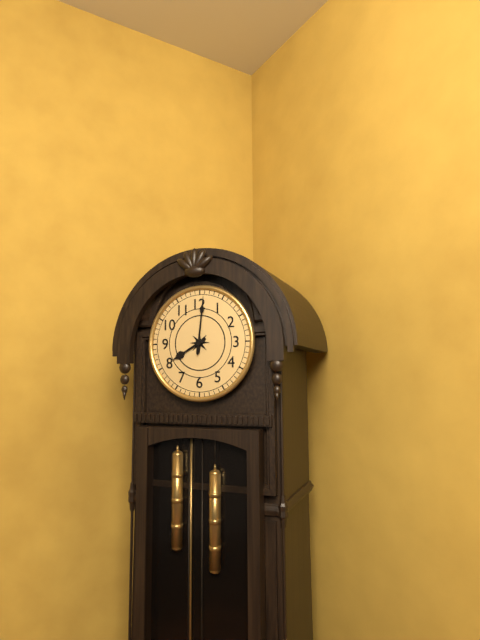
8.01
